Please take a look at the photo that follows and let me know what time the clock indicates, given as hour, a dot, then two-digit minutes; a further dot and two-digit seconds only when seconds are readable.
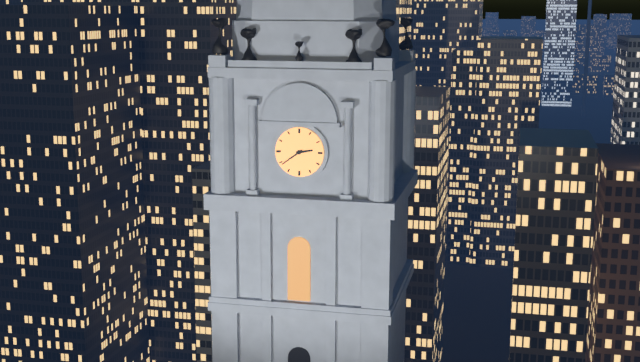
2.39
